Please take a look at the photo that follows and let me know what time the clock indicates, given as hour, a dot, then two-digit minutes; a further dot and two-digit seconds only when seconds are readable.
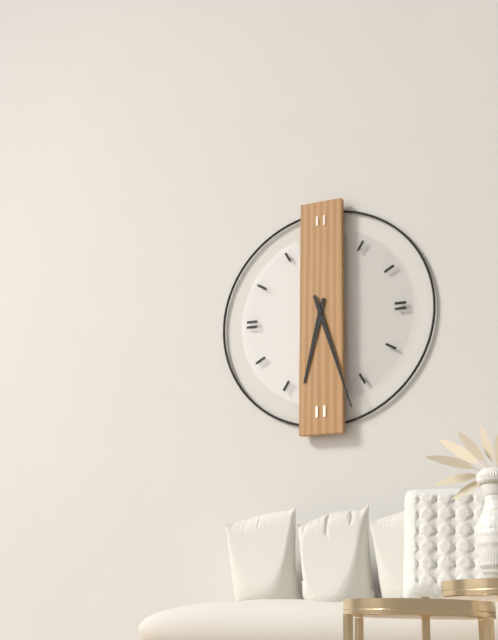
6.27
